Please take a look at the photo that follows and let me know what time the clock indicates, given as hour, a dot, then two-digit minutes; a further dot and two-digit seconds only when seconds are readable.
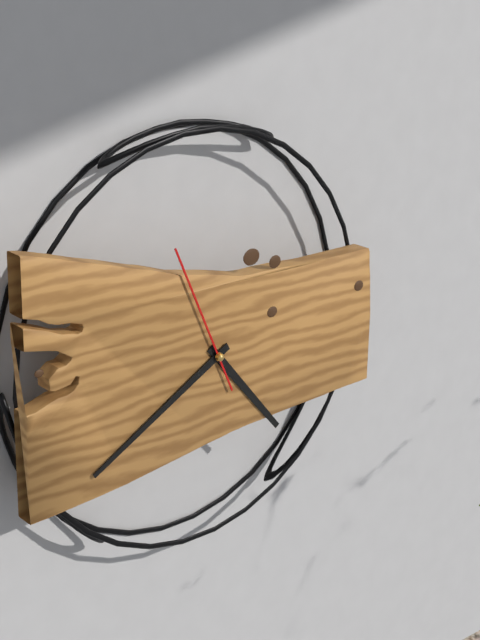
4.40.56
